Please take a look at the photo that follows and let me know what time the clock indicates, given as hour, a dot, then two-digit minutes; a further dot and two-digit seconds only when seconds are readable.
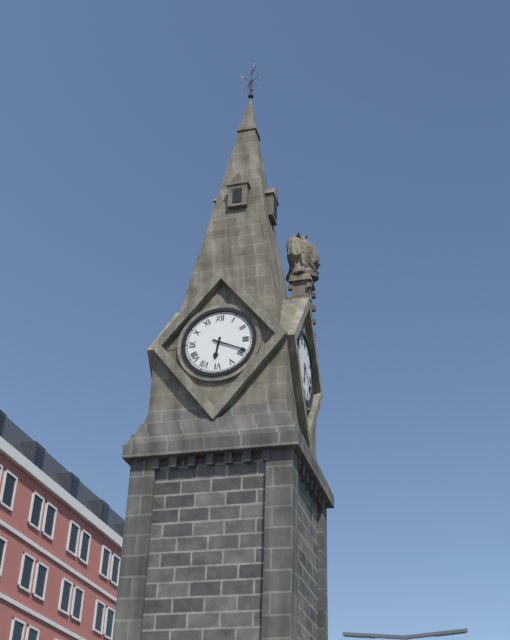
6.19
